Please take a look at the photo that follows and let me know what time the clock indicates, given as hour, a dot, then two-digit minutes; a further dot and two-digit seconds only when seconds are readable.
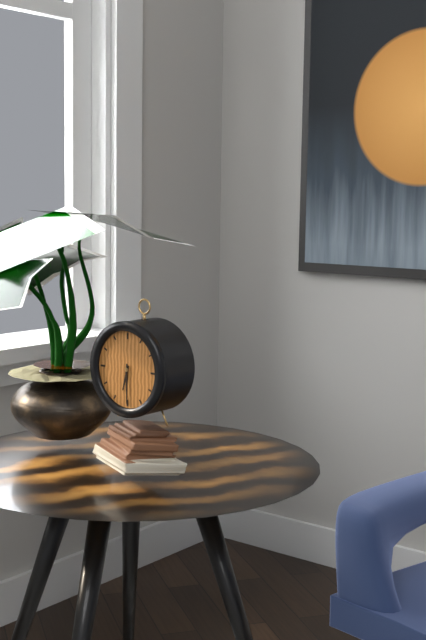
6.30
